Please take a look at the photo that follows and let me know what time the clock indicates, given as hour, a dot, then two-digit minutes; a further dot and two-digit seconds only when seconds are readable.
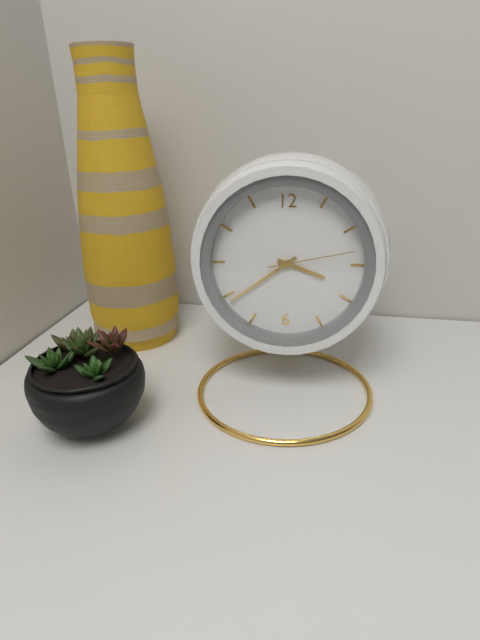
3.39.13
